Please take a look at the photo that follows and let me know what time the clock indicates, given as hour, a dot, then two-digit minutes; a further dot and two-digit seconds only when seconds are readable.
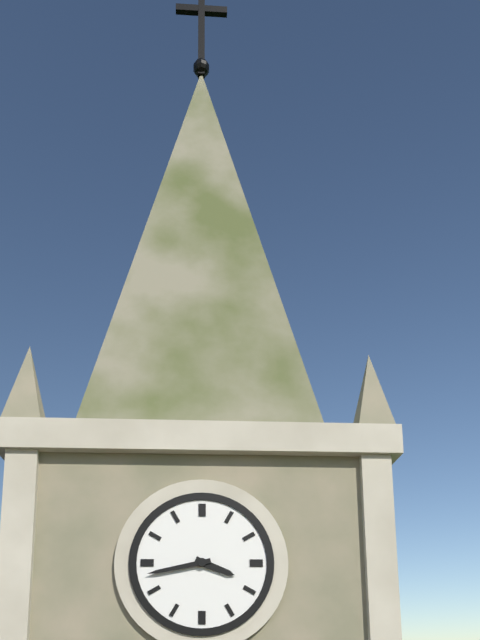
3.43
